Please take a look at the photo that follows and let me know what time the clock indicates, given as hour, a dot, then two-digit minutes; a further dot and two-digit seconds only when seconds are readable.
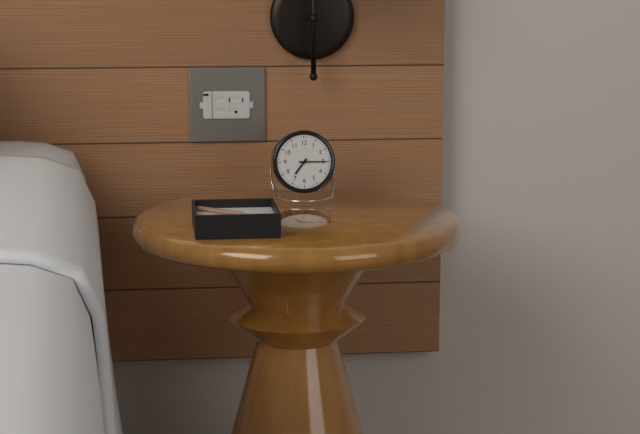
7.15
